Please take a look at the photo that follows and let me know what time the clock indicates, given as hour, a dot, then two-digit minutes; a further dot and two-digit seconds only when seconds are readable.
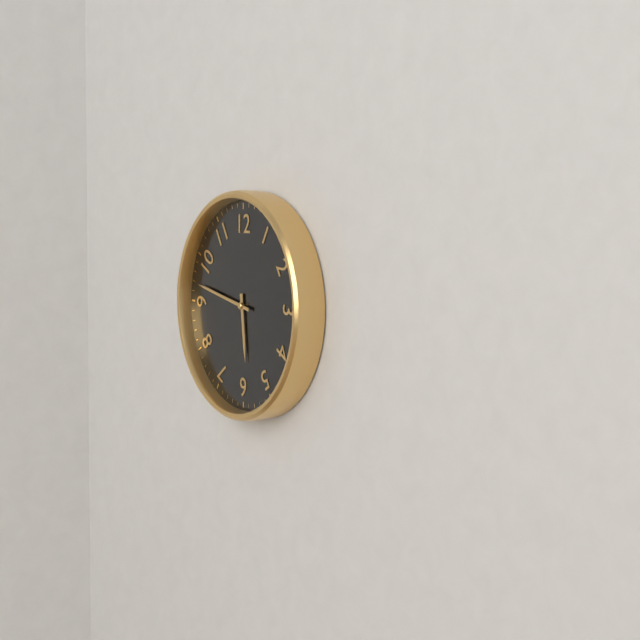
5.47
